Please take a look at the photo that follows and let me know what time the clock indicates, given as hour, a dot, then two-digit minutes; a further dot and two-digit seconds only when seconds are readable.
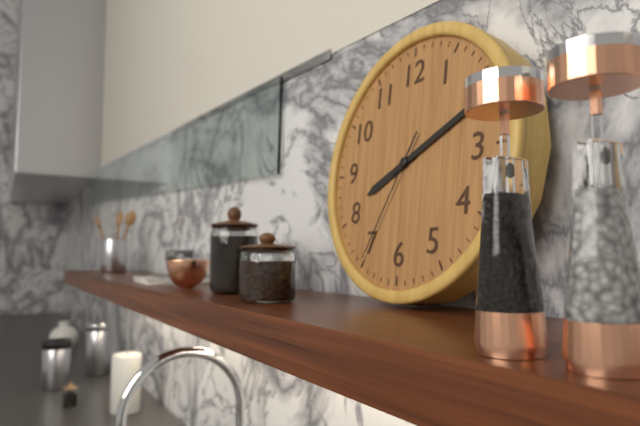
8.11.35
